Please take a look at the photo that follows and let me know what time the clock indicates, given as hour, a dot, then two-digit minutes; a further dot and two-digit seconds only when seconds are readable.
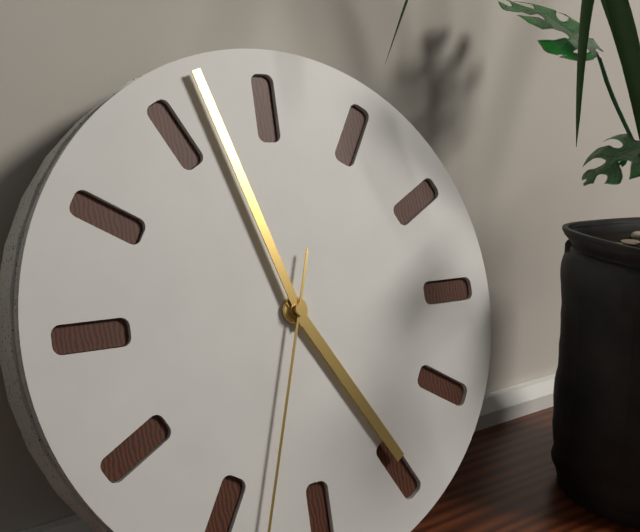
4.57
